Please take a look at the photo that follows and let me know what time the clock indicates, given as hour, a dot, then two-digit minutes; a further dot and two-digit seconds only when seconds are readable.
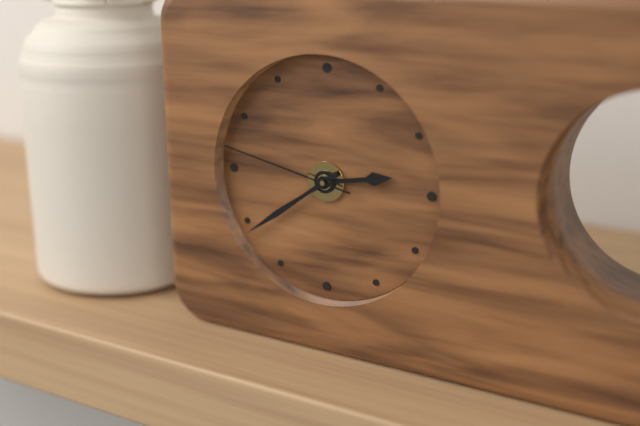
2.39.47
